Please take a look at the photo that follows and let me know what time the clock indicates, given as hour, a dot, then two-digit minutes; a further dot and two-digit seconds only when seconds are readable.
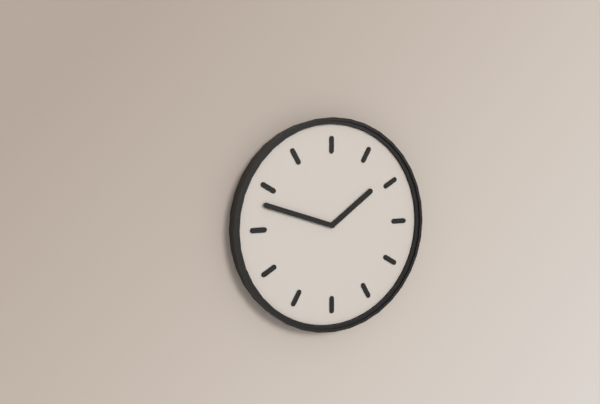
1.48
